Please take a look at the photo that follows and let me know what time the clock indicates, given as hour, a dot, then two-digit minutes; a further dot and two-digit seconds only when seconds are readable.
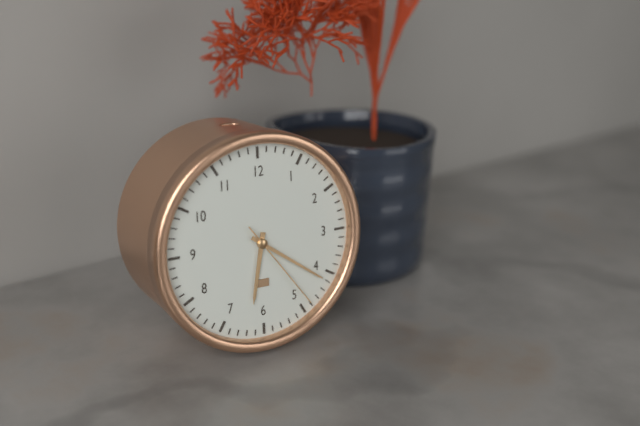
6.21.24
